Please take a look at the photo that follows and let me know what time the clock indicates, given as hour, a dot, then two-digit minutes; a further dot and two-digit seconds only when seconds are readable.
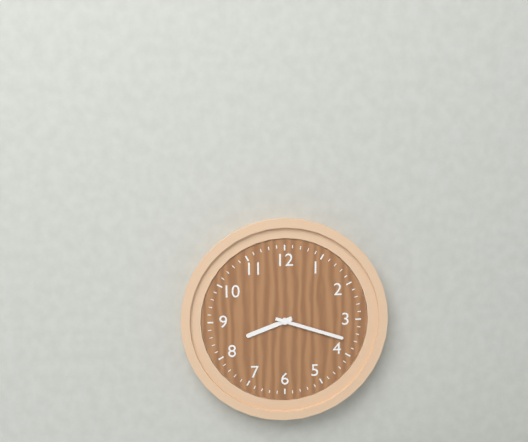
8.18
